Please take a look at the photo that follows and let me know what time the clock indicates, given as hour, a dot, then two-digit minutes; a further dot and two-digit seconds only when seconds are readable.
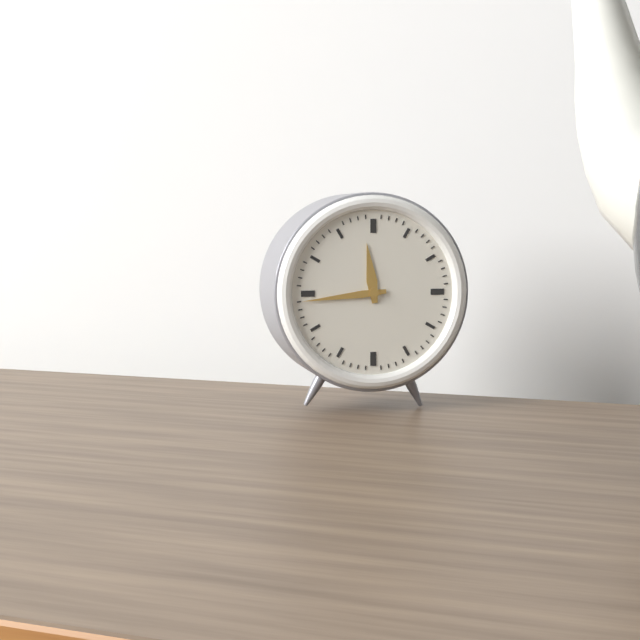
11.44
